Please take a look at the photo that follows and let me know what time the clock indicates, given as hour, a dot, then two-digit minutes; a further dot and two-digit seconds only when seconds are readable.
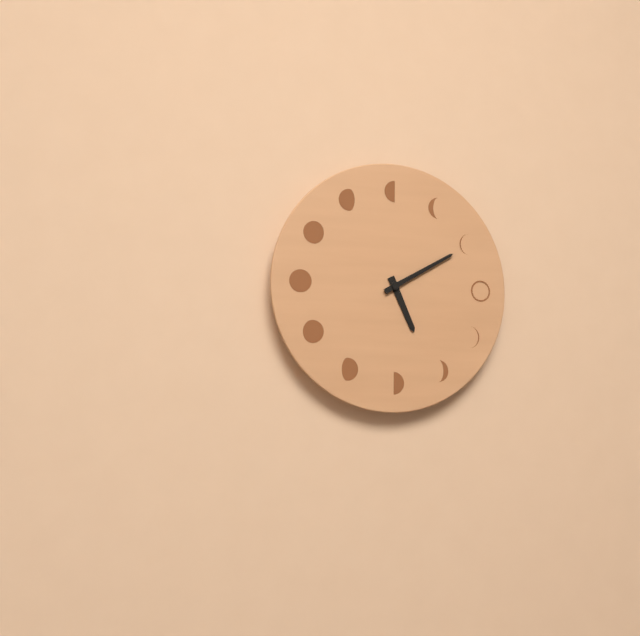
5.10
